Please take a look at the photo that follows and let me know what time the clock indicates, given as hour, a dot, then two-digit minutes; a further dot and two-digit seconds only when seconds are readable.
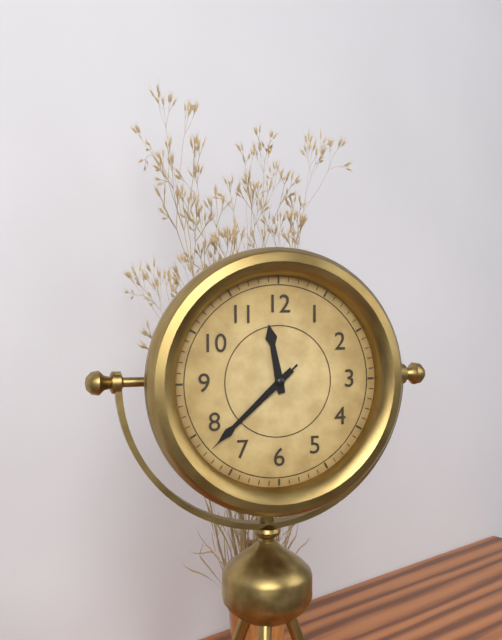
11.38.38
